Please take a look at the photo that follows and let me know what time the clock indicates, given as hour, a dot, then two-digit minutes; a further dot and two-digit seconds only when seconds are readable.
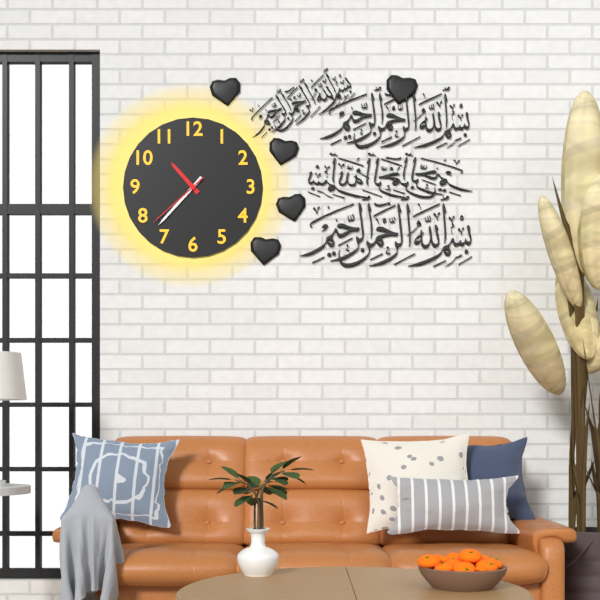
10.37.38
